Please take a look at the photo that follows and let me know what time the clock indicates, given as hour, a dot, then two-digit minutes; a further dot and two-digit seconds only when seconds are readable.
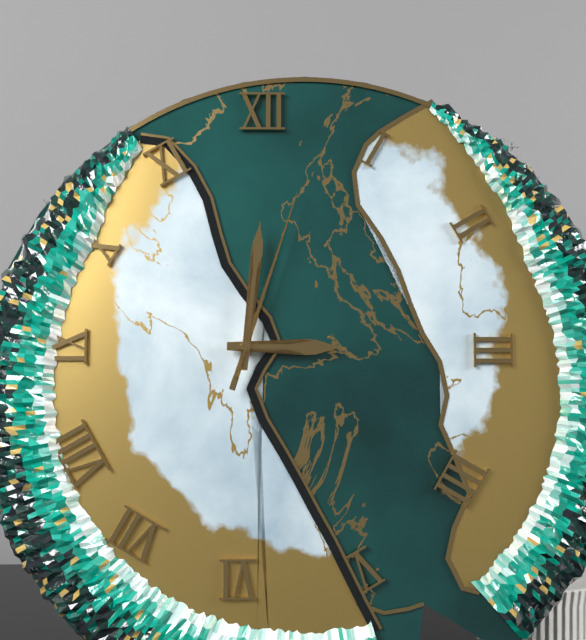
3.01.03
